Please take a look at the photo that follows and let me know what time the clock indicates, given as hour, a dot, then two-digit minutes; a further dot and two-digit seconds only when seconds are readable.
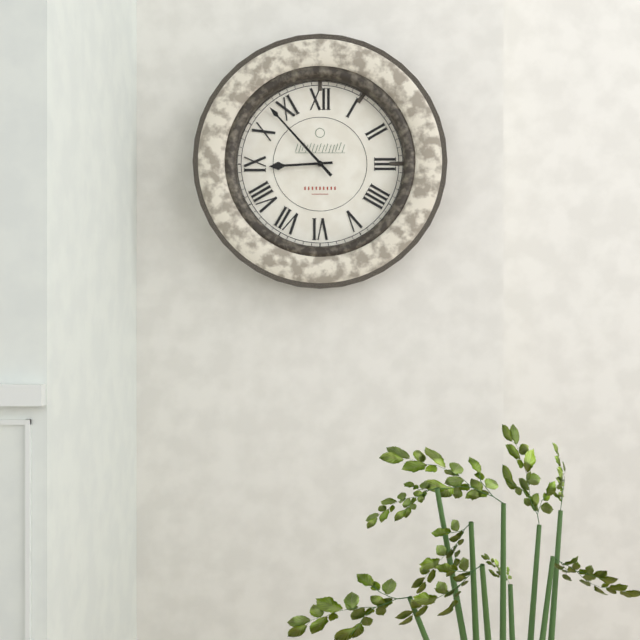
8.53
